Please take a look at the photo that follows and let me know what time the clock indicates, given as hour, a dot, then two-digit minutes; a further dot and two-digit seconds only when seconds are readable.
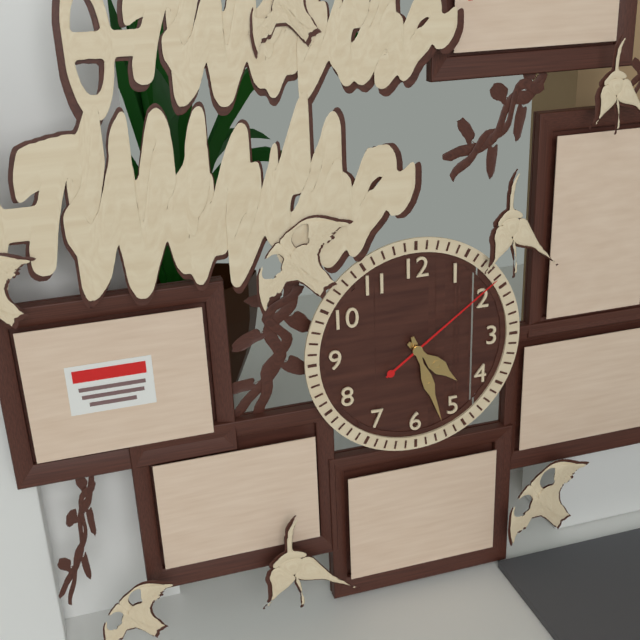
4.27.09
